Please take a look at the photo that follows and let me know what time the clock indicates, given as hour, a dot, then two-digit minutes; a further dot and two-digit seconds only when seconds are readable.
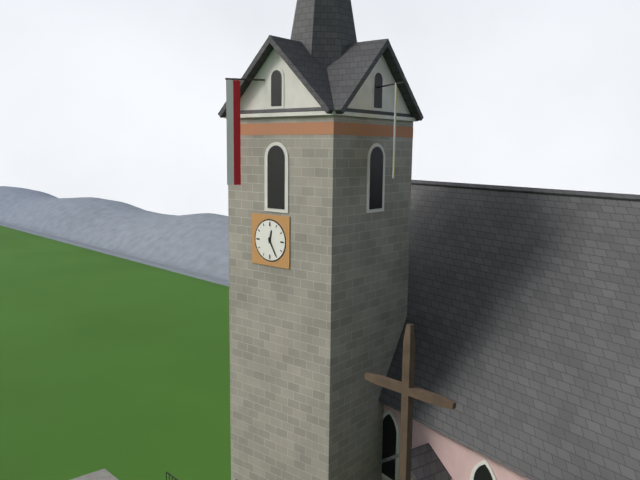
12.25
